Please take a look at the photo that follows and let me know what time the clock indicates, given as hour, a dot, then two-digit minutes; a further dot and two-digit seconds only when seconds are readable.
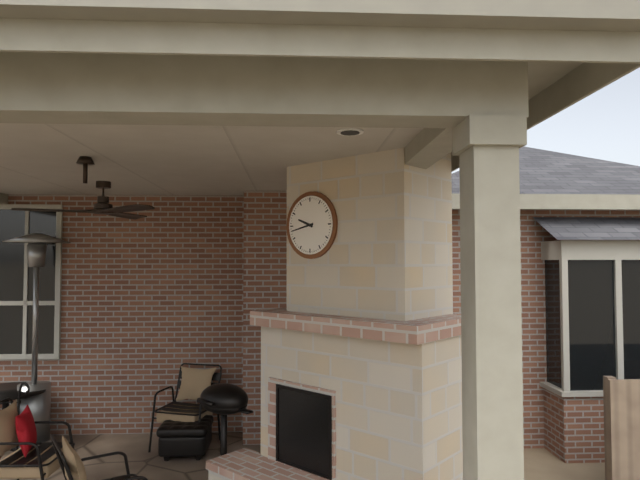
9.43
